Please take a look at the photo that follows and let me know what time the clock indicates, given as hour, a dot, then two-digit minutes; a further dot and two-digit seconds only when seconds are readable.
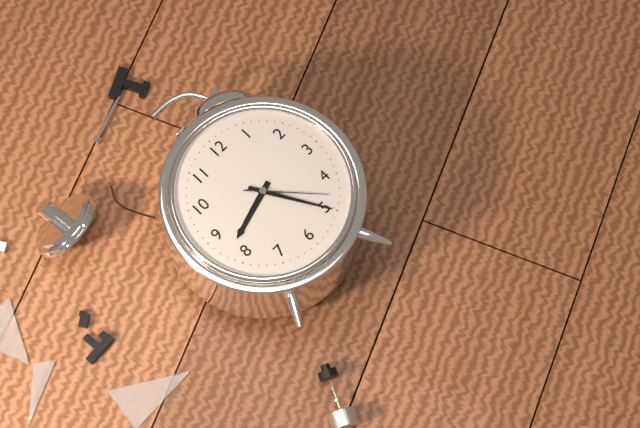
8.25.23
